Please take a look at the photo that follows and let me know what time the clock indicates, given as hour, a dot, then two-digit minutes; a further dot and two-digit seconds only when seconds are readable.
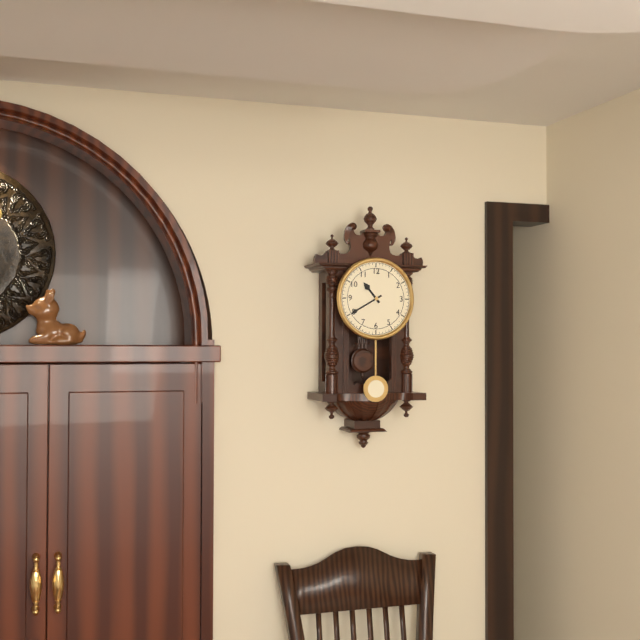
10.40
